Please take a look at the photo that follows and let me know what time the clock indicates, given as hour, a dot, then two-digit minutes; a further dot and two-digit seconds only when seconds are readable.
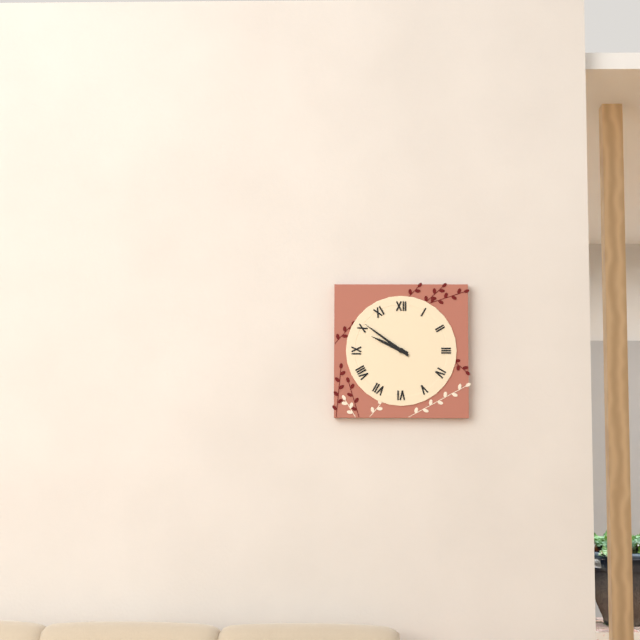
9.51
